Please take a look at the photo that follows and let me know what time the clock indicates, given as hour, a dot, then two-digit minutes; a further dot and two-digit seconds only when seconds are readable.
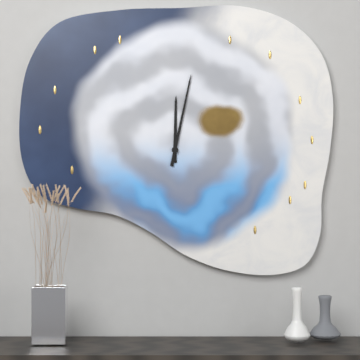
12.02
